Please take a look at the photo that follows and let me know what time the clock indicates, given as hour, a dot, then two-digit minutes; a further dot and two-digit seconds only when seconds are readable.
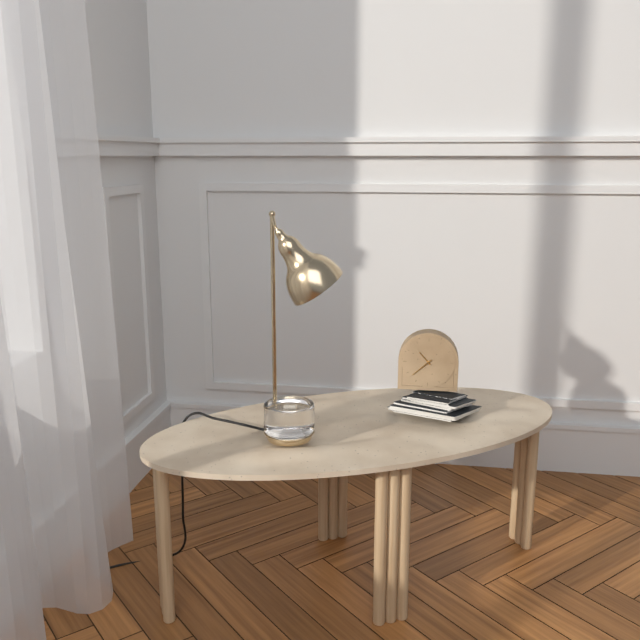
10.38
